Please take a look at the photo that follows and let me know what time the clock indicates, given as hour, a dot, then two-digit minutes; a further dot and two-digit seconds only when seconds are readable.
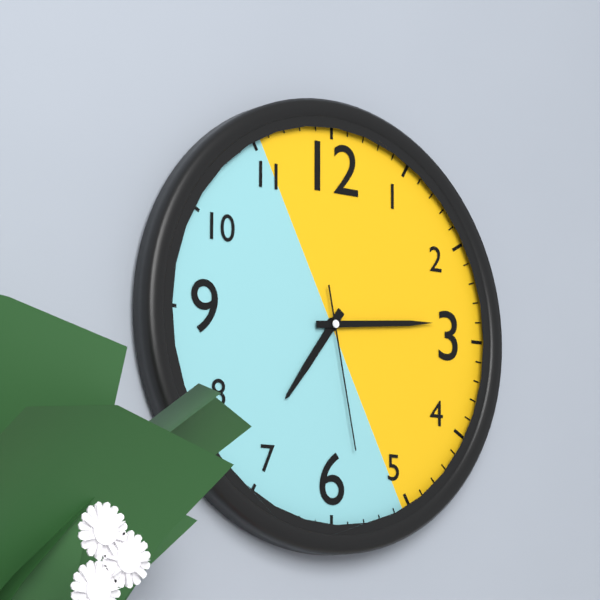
7.14.28
